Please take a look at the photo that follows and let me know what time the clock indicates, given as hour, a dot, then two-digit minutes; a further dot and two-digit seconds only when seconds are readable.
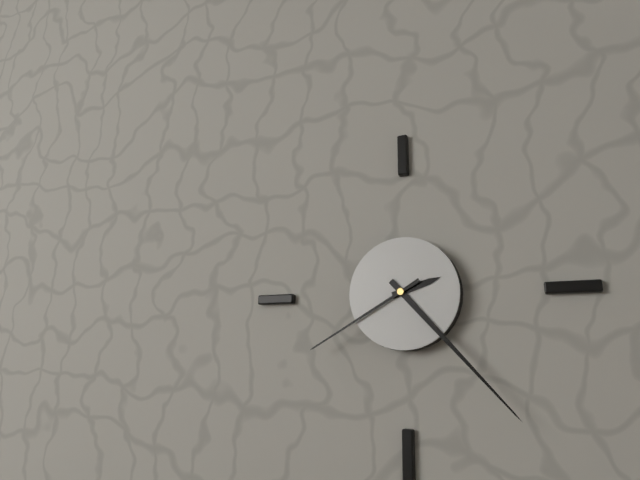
2.23.40
